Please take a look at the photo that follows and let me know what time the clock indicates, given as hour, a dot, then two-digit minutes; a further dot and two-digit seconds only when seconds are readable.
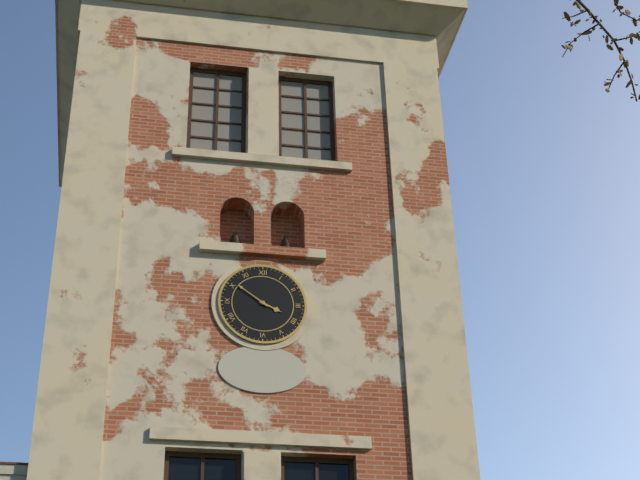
3.51
